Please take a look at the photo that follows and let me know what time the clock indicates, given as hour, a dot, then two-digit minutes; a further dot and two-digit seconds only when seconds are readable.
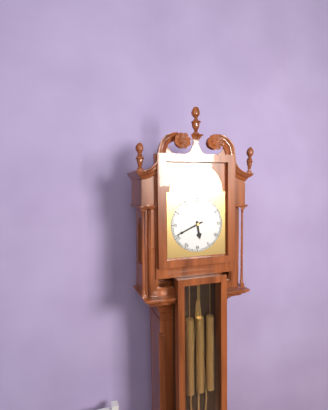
5.41
